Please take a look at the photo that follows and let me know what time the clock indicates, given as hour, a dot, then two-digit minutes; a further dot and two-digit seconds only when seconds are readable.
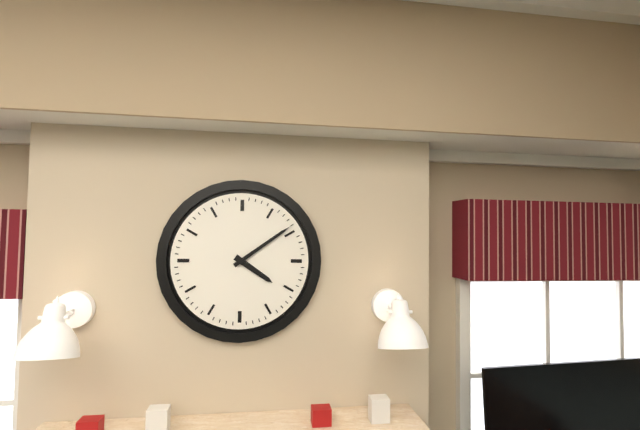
4.09
